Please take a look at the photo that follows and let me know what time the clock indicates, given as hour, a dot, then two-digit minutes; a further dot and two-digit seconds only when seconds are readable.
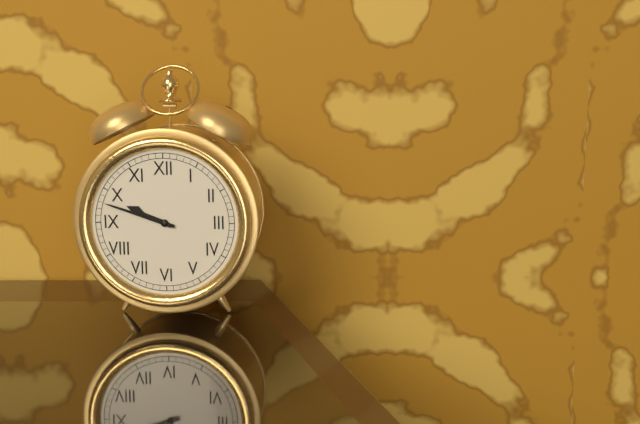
9.48
